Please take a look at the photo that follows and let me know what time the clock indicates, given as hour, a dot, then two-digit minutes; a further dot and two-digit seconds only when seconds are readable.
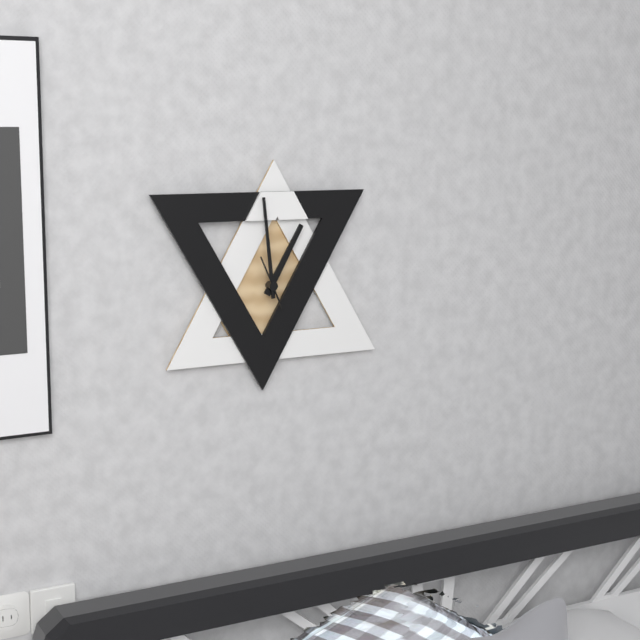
12.59
